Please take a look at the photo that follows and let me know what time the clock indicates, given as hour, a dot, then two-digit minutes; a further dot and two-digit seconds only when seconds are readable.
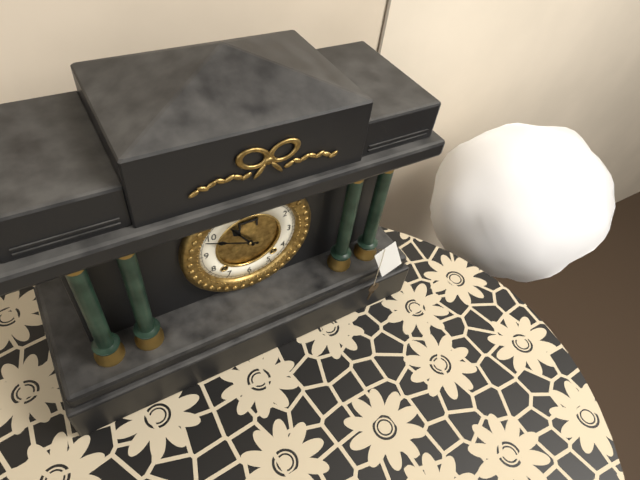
10.49
